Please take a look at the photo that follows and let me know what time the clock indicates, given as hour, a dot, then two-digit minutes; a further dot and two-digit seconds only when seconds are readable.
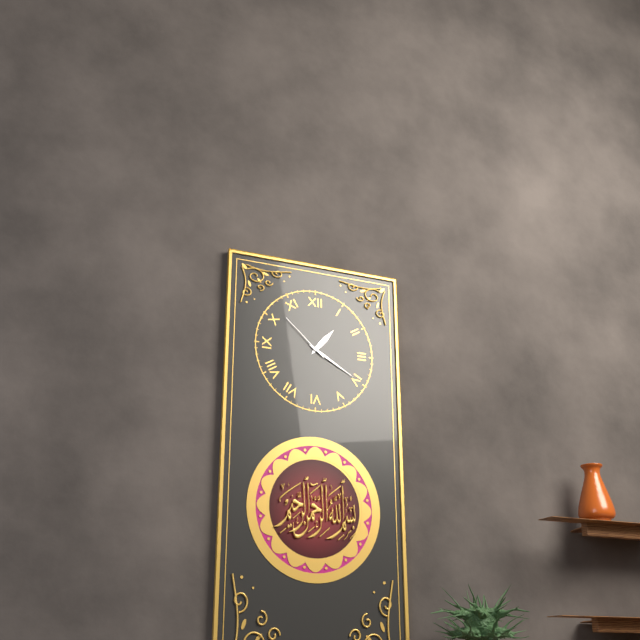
1.20.52
